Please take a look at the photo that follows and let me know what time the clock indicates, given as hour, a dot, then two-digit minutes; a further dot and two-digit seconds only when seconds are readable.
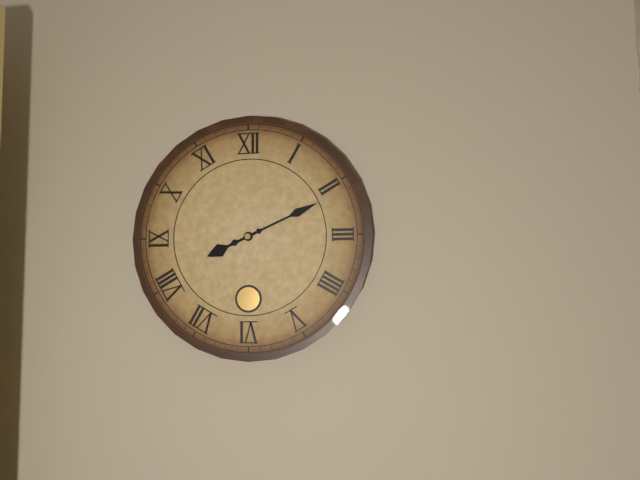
8.11
